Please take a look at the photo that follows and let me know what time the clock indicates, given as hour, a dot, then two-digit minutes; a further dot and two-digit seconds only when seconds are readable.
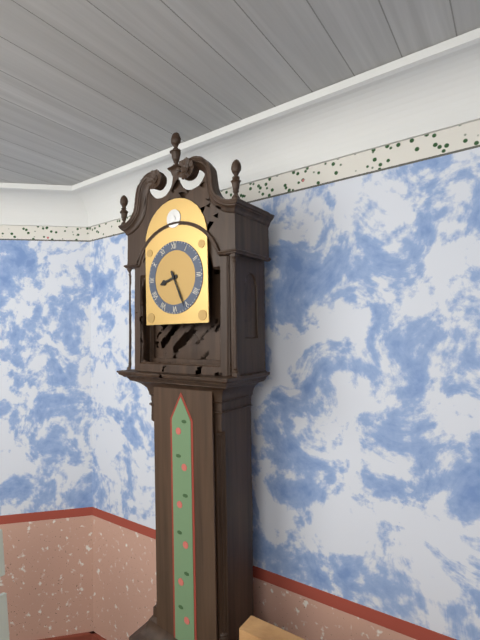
8.26
